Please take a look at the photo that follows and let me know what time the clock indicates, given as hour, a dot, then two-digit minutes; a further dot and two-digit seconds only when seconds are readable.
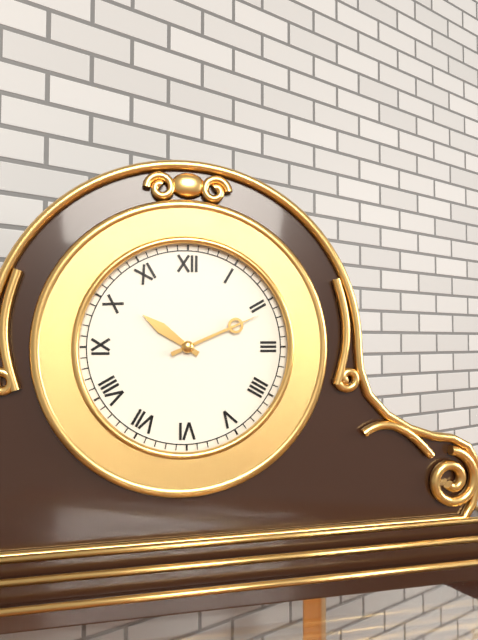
10.11
